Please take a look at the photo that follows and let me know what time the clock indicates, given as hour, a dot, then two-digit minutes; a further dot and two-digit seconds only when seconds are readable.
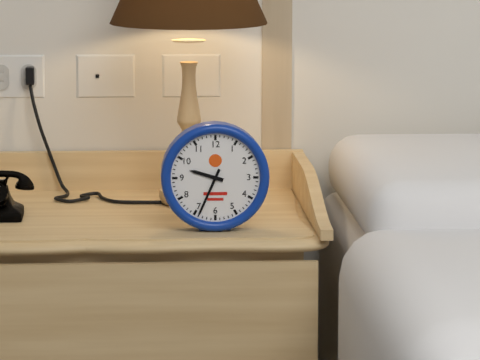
9.34
